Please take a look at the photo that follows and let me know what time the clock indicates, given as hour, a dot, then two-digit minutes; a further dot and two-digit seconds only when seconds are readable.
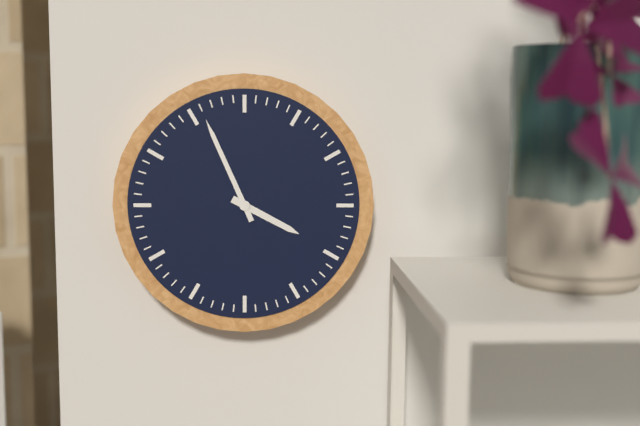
3.56
